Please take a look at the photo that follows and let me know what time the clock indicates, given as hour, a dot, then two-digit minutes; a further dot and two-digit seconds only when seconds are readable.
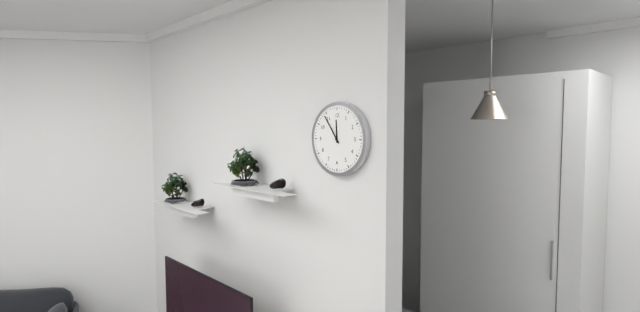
11.54
